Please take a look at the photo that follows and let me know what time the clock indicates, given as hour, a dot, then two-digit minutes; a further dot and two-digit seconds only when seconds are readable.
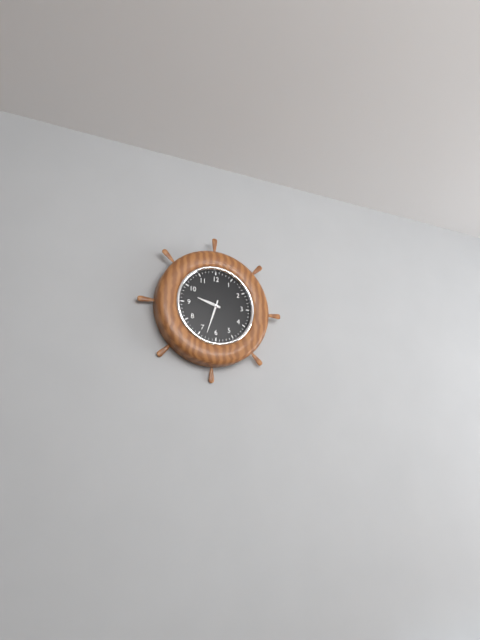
9.33
